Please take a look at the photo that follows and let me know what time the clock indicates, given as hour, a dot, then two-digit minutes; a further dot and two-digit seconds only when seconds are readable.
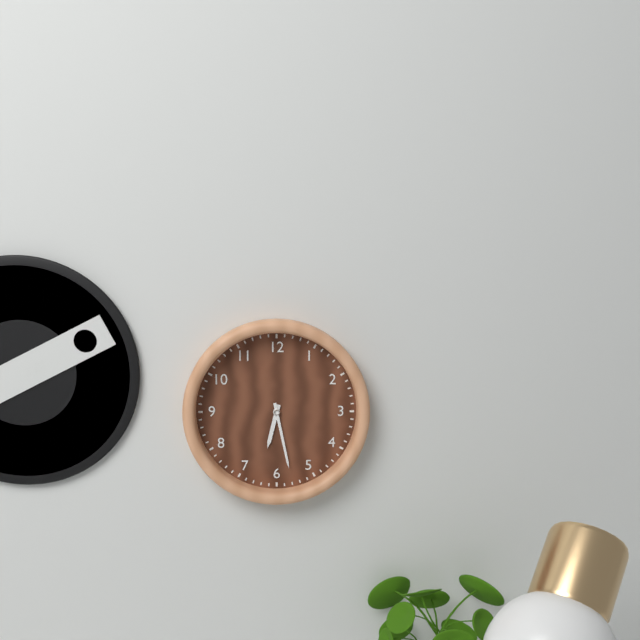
6.28
